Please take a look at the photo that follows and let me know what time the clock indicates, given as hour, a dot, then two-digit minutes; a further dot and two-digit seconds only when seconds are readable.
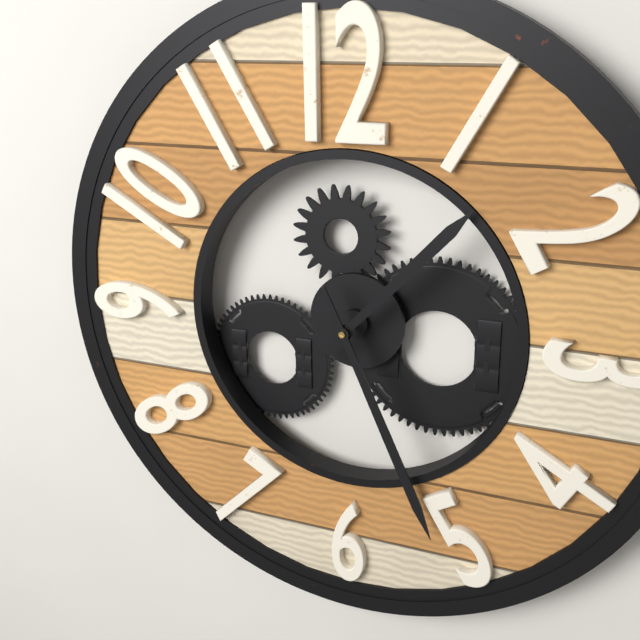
1.26
